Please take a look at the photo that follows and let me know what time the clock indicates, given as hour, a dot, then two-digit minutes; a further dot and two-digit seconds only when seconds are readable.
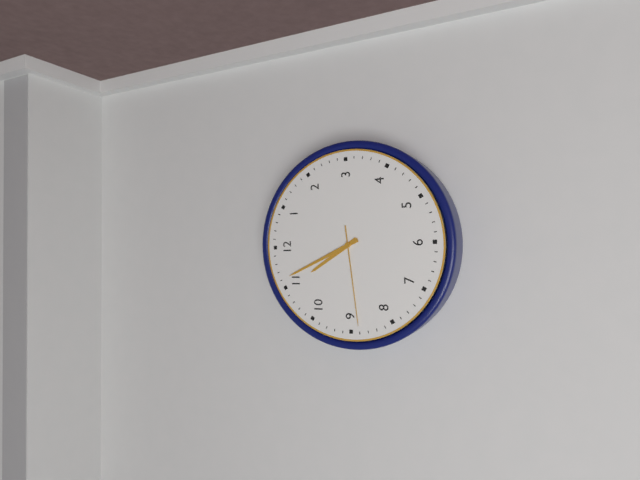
10.56.44
